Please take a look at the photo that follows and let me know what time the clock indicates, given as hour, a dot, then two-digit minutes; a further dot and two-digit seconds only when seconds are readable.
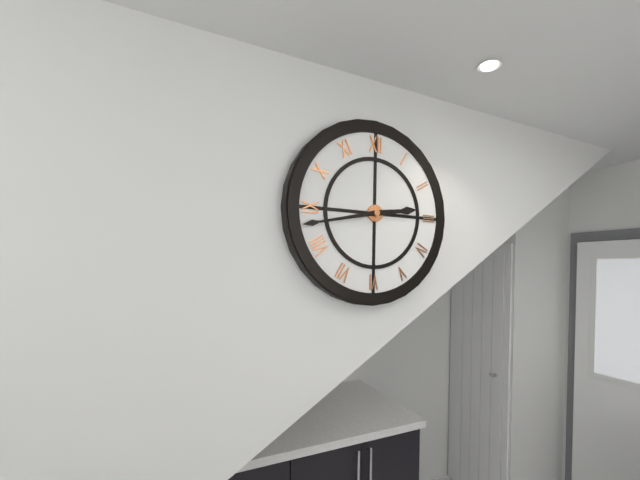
2.43
